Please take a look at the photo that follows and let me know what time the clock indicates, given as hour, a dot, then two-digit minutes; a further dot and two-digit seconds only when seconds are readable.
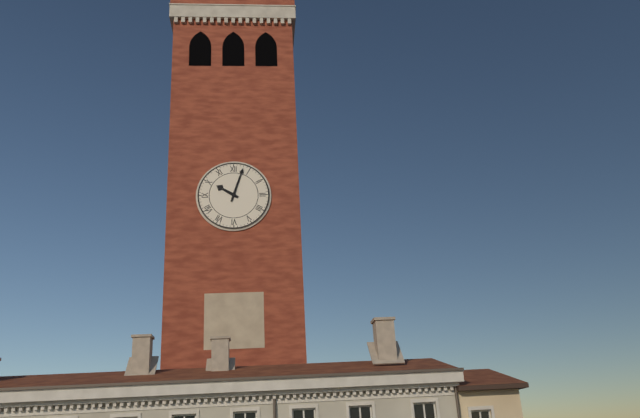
10.03
